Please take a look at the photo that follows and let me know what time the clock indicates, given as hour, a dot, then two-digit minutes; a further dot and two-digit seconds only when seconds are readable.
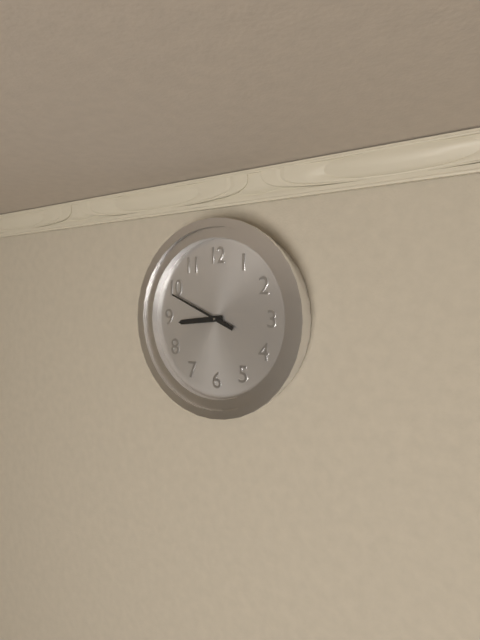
8.49
